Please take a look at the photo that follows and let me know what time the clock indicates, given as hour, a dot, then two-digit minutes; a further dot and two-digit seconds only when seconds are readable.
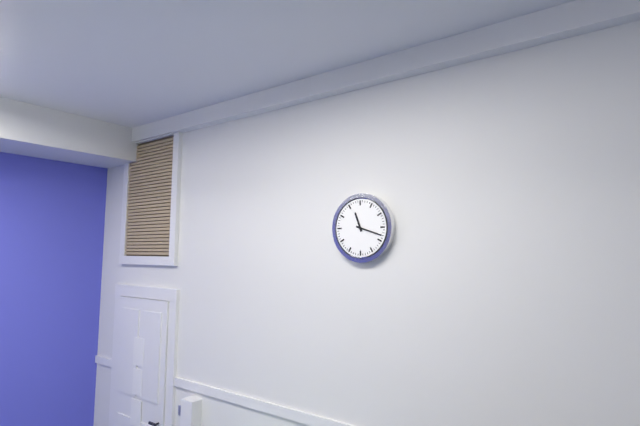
11.18
